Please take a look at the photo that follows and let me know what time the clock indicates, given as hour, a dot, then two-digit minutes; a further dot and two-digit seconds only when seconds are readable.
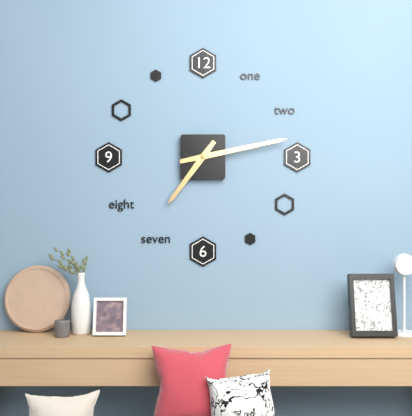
7.13
